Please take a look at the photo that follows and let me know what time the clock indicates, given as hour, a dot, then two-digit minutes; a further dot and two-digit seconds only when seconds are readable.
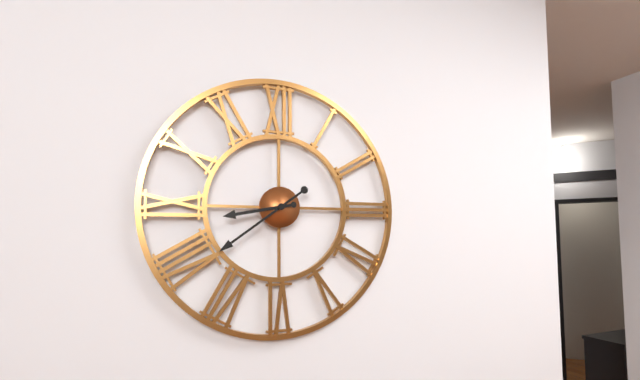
8.39
